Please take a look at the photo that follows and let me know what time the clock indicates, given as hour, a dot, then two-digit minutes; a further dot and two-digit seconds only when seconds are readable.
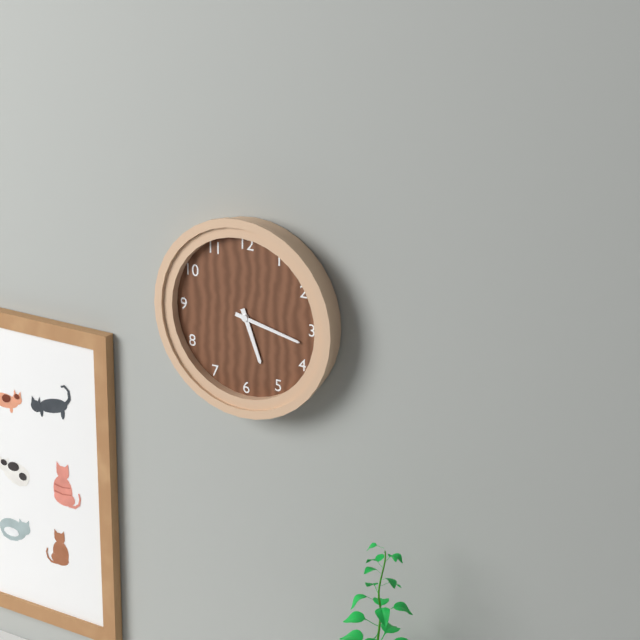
5.17
